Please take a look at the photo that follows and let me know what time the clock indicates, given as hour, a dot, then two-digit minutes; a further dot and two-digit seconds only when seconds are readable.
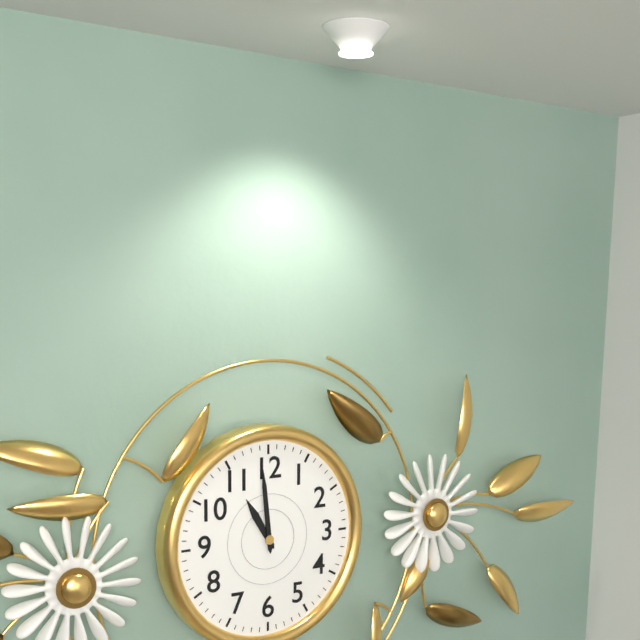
10.59
